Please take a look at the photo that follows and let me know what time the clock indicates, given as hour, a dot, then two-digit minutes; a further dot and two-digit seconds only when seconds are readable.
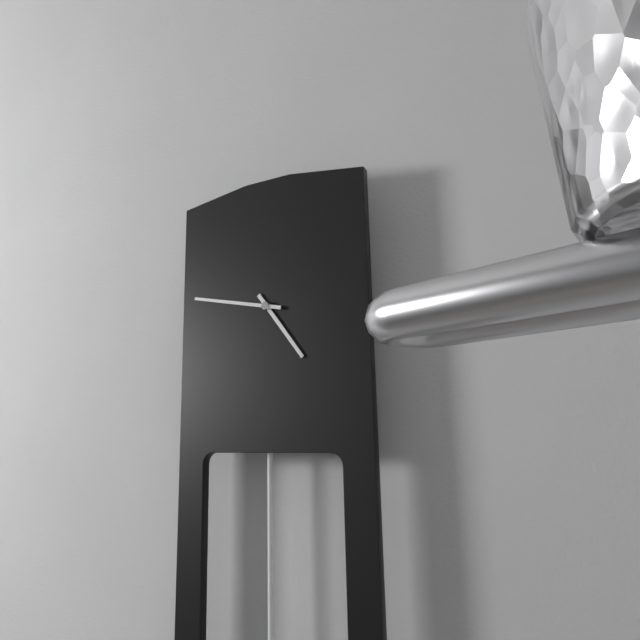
4.47
